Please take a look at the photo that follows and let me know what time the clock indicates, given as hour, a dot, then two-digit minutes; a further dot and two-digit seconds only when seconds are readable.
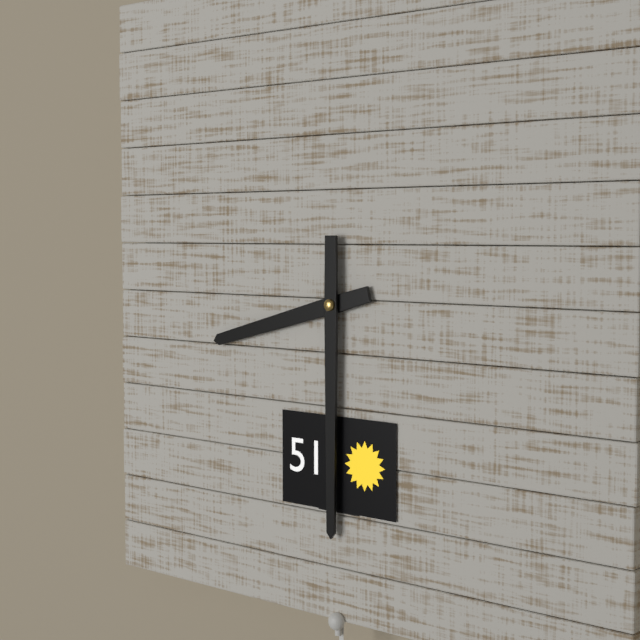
8.30
